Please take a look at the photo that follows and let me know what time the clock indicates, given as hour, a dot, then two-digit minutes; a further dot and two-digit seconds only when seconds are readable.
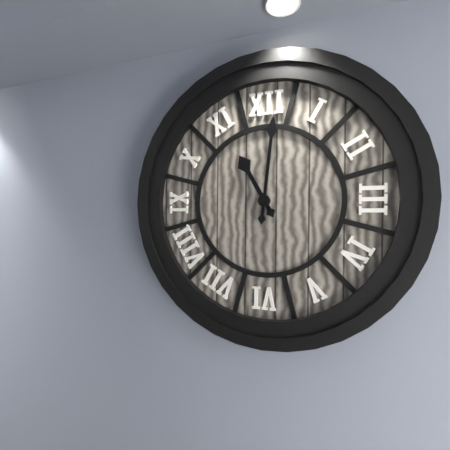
11.01
